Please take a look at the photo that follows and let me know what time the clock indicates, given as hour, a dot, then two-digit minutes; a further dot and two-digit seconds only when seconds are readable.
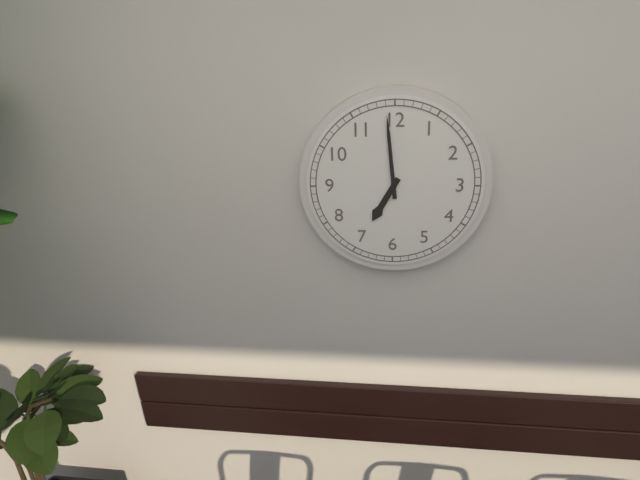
6.59
